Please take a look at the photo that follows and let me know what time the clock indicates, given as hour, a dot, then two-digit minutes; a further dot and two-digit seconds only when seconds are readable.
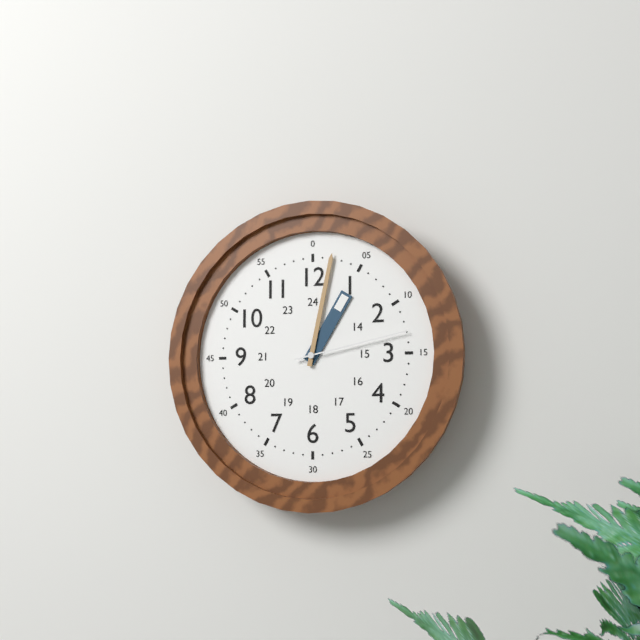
1.02.13
